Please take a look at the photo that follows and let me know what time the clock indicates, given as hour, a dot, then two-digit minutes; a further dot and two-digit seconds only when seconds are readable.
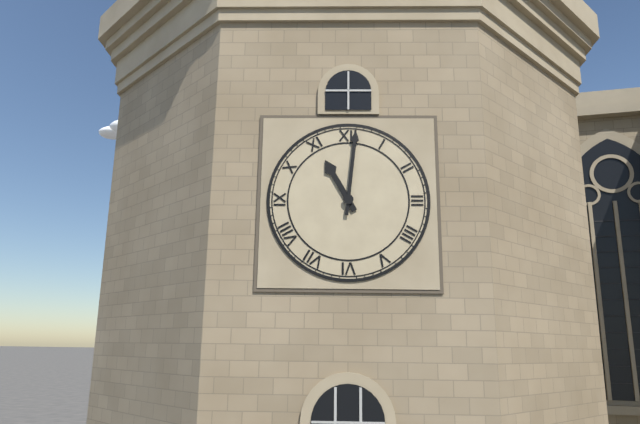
11.01
